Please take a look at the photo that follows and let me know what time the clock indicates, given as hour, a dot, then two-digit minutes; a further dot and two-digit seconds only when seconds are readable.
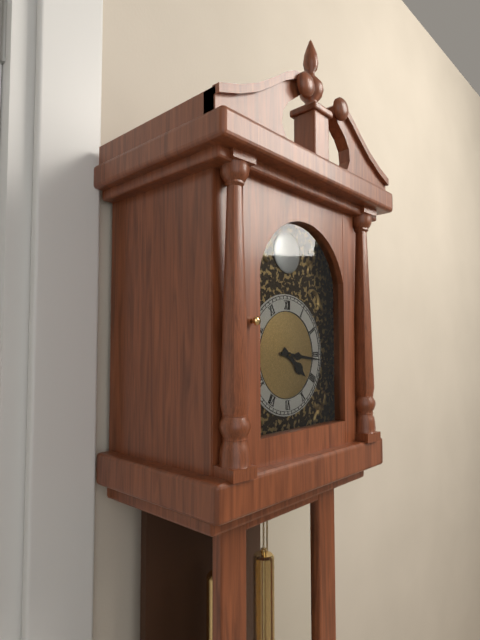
4.16
